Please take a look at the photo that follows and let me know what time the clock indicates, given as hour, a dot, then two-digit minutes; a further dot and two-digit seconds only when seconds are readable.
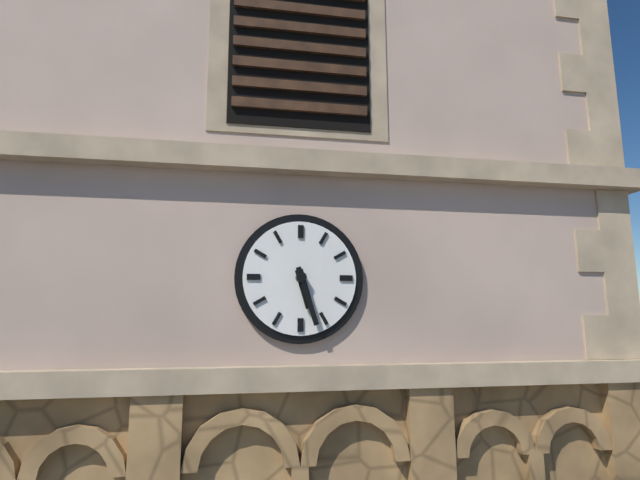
5.27
